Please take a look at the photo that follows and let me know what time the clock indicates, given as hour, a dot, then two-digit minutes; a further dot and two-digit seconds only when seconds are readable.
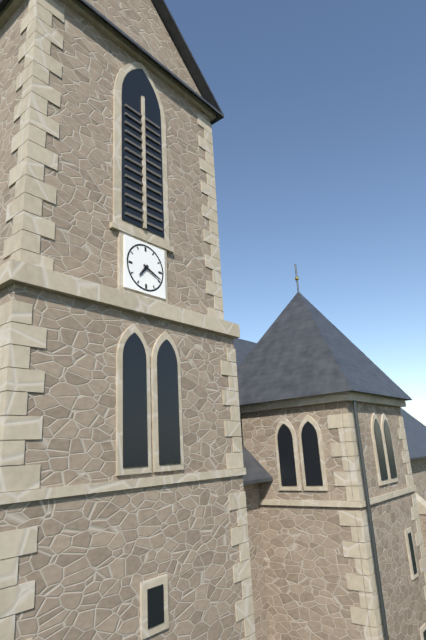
7.19
